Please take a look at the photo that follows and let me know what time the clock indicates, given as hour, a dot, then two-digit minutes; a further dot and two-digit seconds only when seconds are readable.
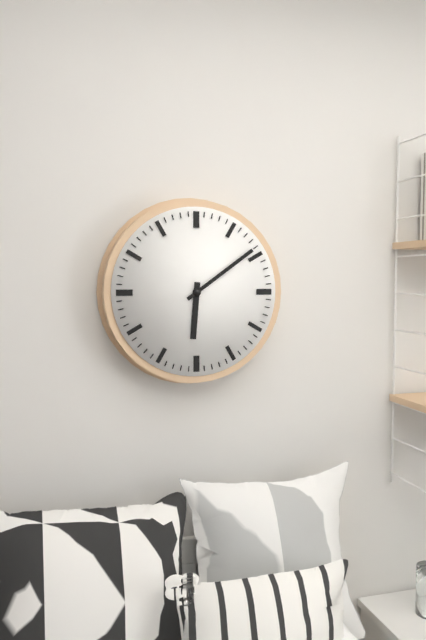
6.09
